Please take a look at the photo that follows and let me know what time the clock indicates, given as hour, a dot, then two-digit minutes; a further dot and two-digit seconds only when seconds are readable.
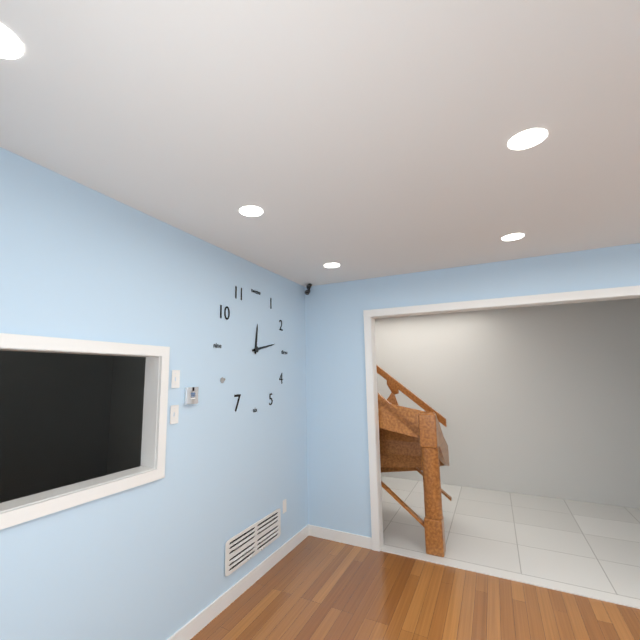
12.13
